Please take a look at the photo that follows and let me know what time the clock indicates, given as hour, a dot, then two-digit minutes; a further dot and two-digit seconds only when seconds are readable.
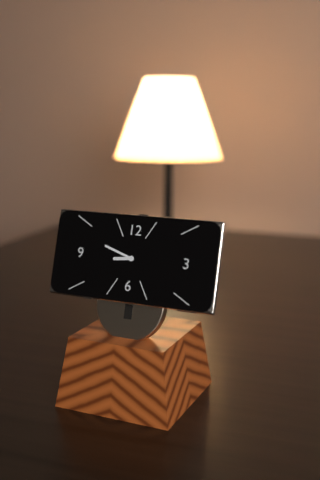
8.48
